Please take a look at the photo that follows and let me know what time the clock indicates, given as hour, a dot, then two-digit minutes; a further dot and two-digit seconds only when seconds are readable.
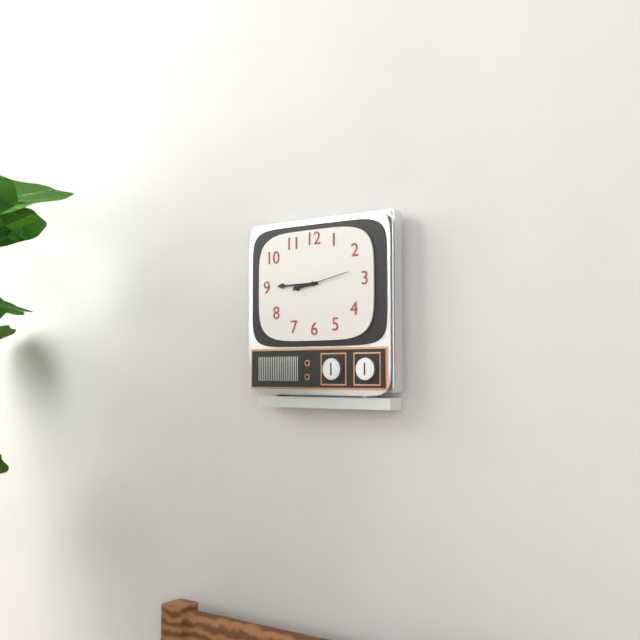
8.45
